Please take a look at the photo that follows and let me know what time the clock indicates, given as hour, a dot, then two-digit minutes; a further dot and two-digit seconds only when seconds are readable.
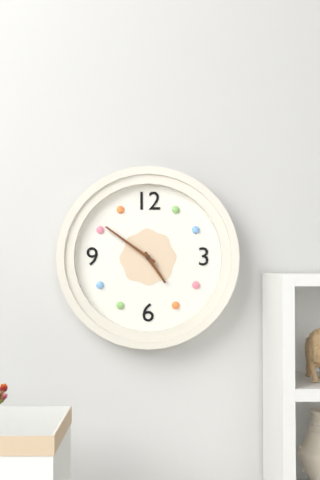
4.51
